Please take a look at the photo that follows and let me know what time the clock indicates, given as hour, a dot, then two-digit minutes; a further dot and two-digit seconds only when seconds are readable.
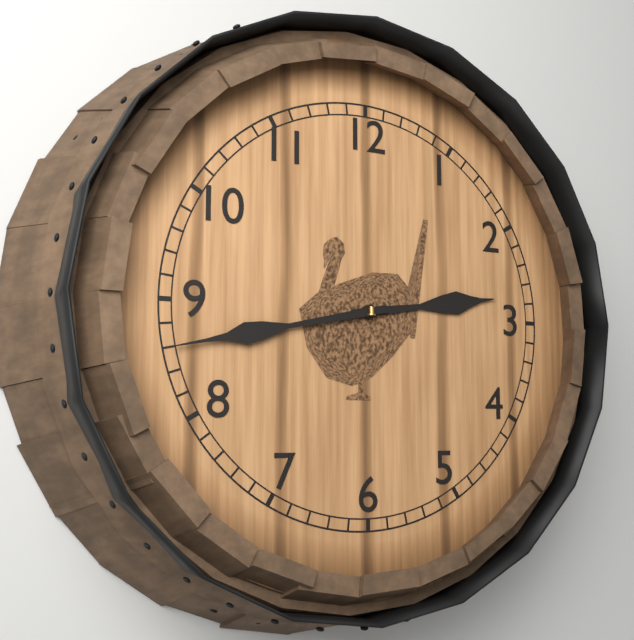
2.43
